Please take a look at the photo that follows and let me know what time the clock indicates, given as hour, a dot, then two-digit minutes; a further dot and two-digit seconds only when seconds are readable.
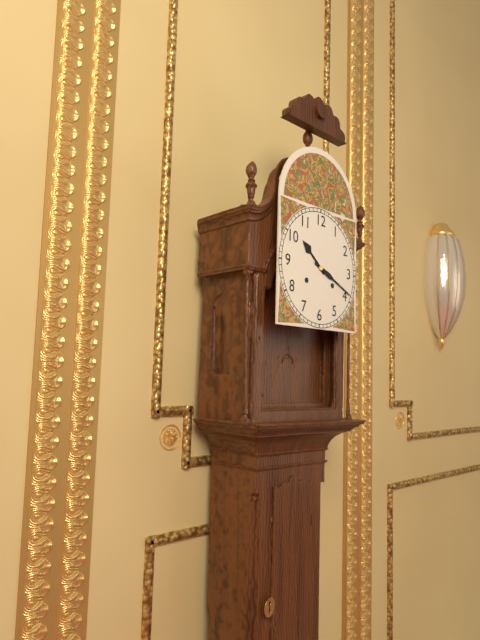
10.19
